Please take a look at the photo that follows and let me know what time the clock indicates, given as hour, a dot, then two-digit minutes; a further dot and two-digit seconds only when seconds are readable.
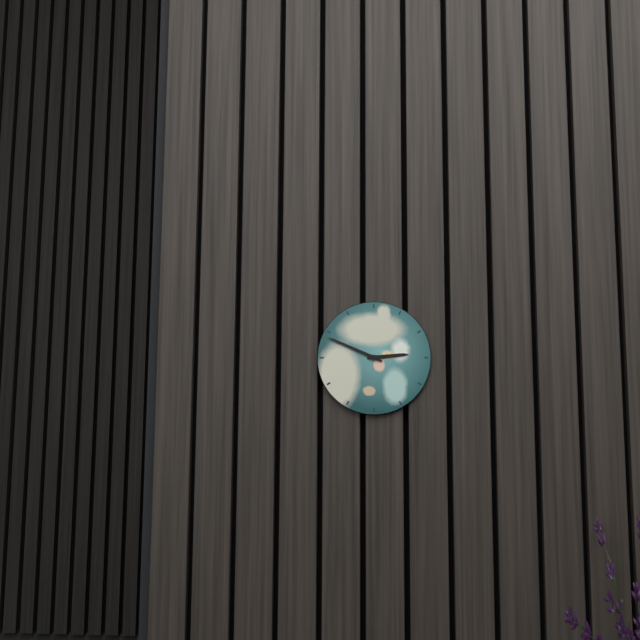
2.49
